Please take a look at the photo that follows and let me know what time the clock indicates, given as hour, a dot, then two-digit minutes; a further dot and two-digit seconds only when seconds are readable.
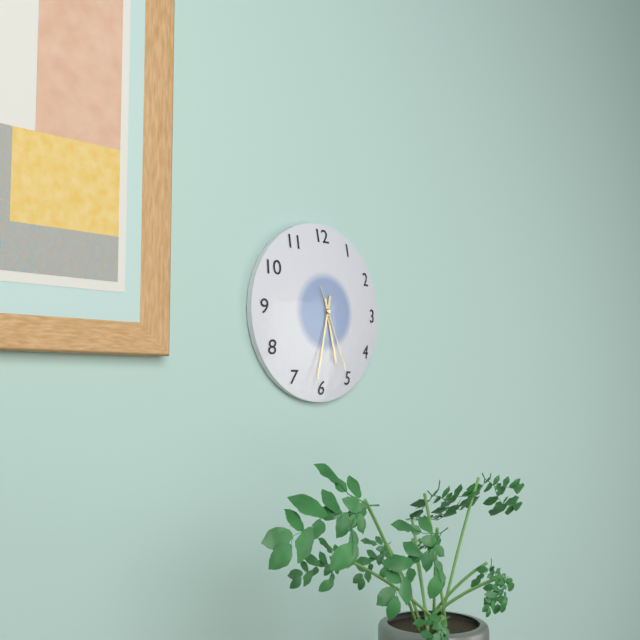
5.32.26
